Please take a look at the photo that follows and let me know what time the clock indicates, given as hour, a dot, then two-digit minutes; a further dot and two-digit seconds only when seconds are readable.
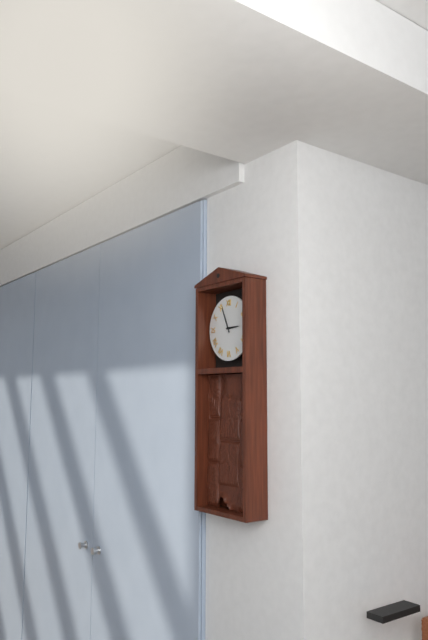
2.56
